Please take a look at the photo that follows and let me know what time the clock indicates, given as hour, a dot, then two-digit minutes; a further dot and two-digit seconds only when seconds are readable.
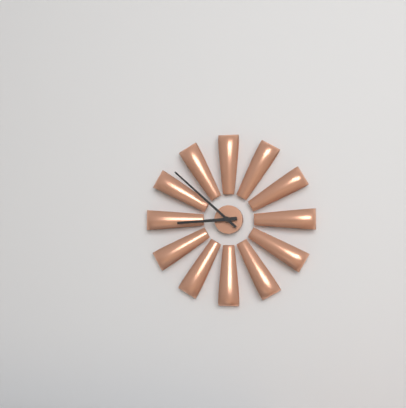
8.52
